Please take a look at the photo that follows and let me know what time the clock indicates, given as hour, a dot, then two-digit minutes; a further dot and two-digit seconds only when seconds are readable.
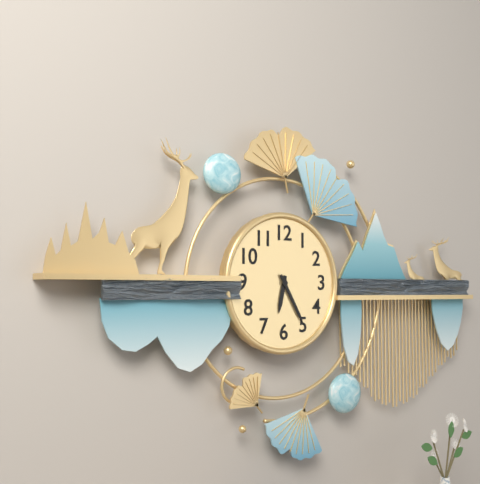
6.25
